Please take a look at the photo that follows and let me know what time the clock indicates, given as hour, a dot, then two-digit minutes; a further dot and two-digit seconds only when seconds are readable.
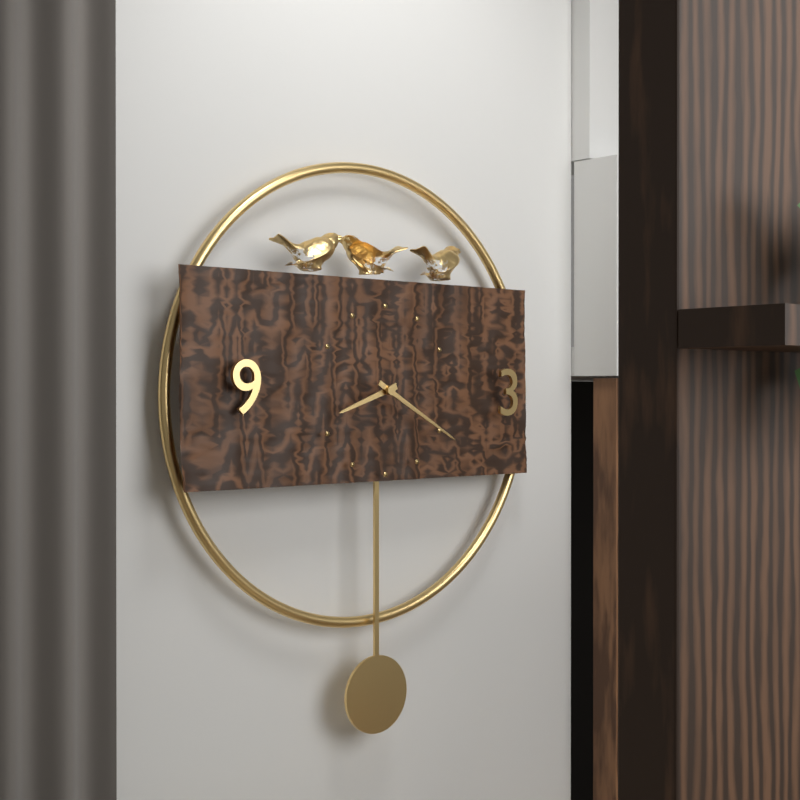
8.20
